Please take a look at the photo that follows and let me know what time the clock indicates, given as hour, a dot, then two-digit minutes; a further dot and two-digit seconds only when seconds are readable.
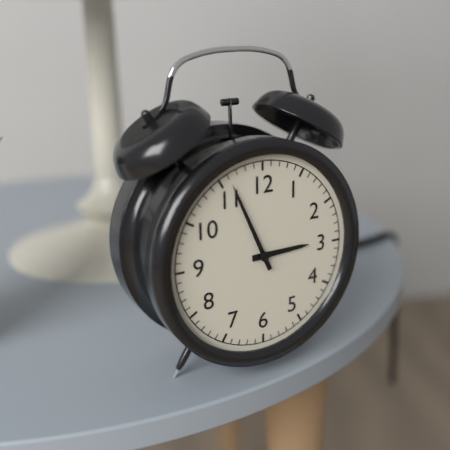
2.56
